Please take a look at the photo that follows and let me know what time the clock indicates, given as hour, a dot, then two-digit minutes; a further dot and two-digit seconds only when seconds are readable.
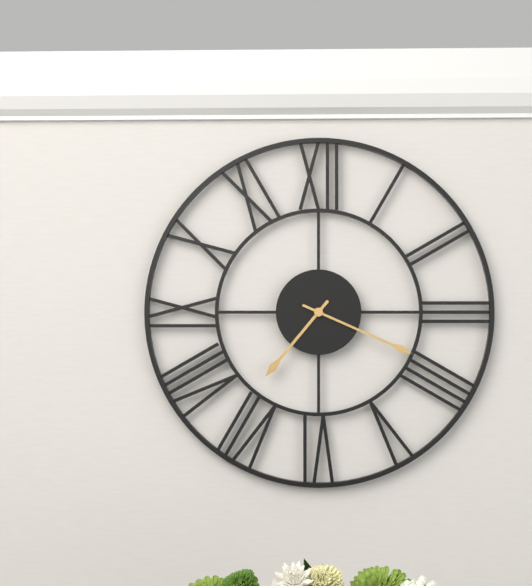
7.19
